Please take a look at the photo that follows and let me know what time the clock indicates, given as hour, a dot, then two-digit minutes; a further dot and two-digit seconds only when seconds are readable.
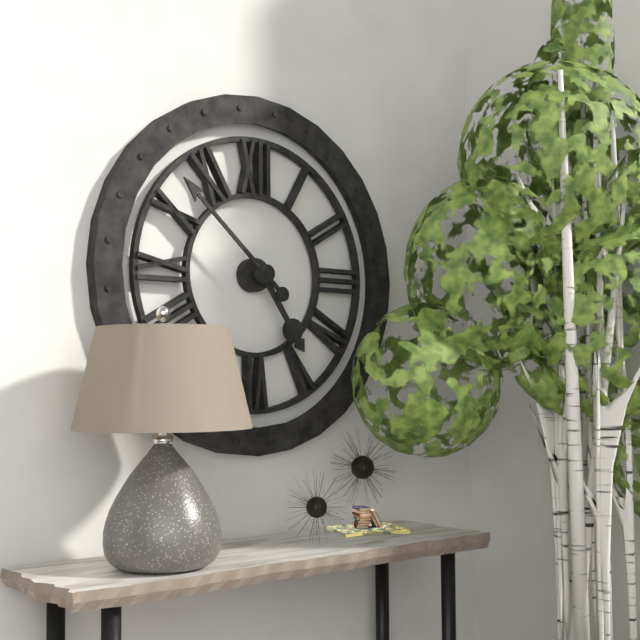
4.52
